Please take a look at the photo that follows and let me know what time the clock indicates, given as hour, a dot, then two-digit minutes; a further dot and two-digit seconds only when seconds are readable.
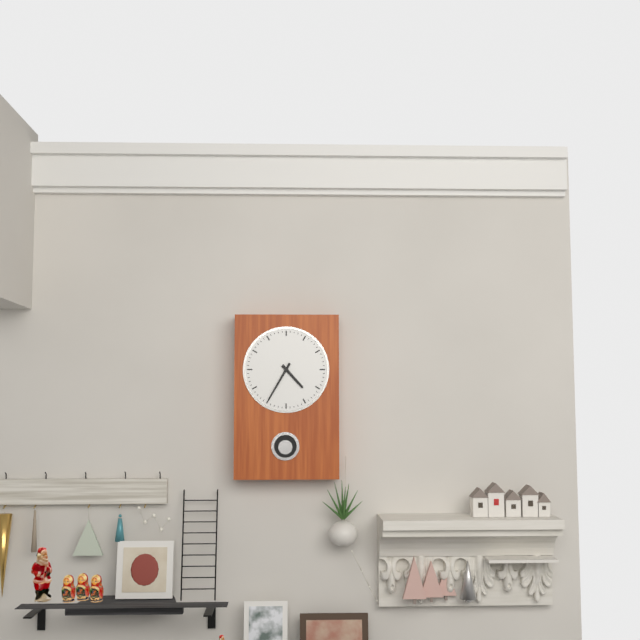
4.35
